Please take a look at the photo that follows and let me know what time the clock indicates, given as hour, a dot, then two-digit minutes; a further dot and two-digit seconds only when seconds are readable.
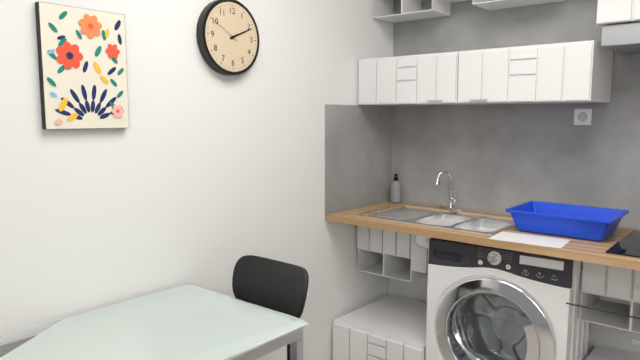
2.11
